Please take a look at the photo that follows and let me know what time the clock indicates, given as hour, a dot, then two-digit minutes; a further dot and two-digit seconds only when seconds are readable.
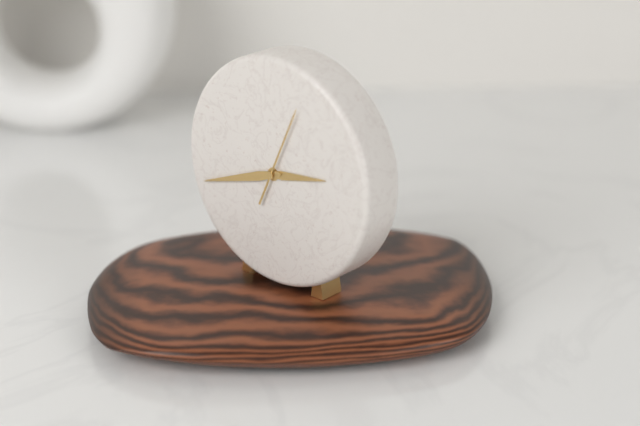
2.42.04
